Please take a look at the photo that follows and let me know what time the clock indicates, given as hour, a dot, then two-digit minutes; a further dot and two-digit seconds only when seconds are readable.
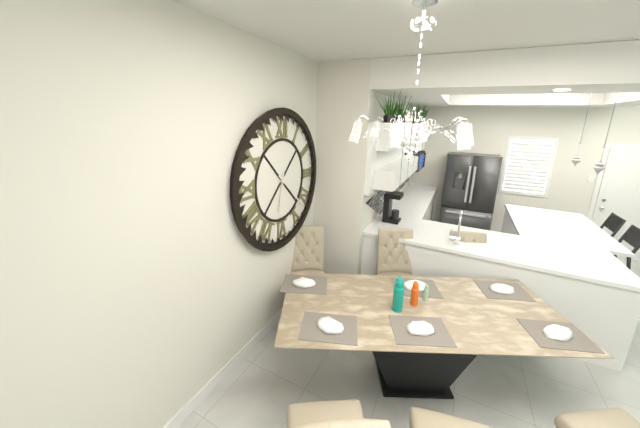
6.22
